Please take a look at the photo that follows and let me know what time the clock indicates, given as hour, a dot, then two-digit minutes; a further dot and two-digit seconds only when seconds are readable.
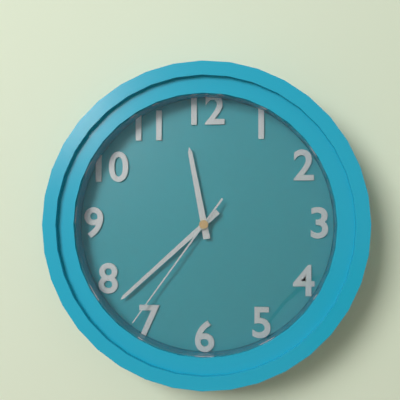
11.38.36
